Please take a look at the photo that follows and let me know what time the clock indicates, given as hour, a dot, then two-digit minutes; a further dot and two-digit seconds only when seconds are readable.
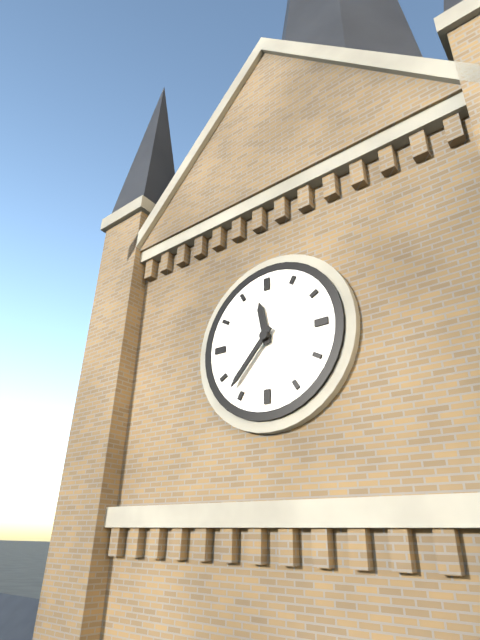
11.37
